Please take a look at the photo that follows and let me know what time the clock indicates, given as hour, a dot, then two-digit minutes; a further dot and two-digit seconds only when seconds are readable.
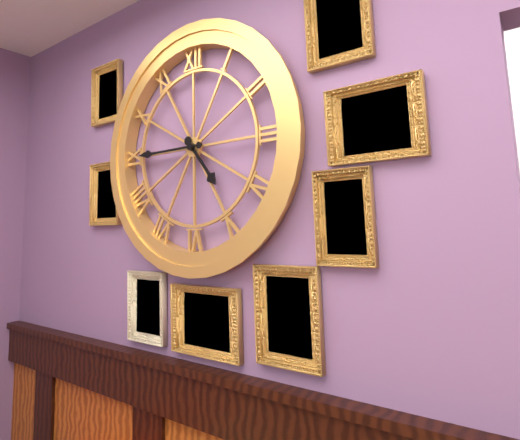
4.45
